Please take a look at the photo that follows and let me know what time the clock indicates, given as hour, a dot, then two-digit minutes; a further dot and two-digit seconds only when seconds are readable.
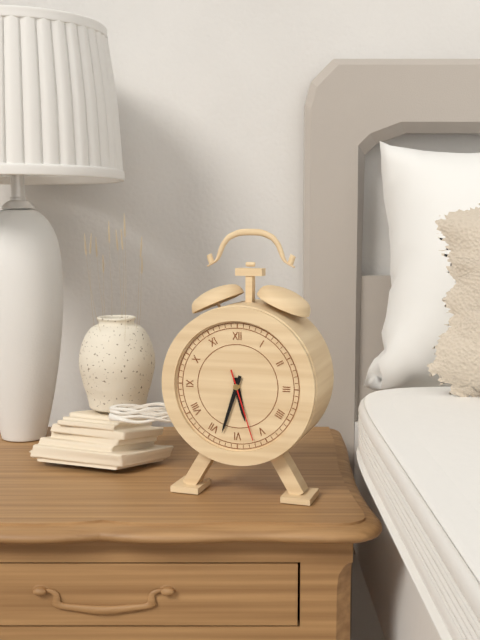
5.33.27
